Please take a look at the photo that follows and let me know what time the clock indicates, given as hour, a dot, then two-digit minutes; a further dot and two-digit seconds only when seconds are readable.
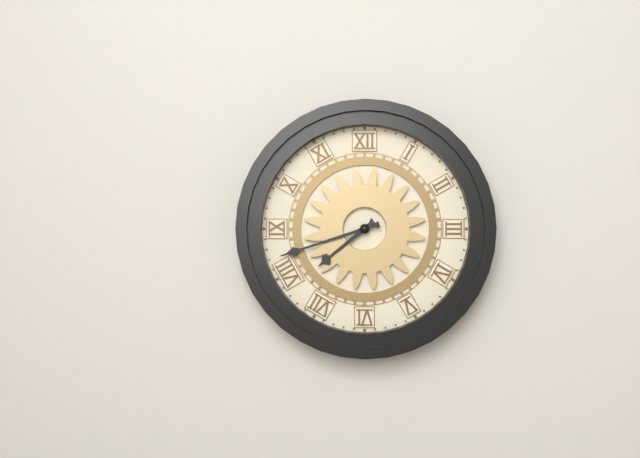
7.42
